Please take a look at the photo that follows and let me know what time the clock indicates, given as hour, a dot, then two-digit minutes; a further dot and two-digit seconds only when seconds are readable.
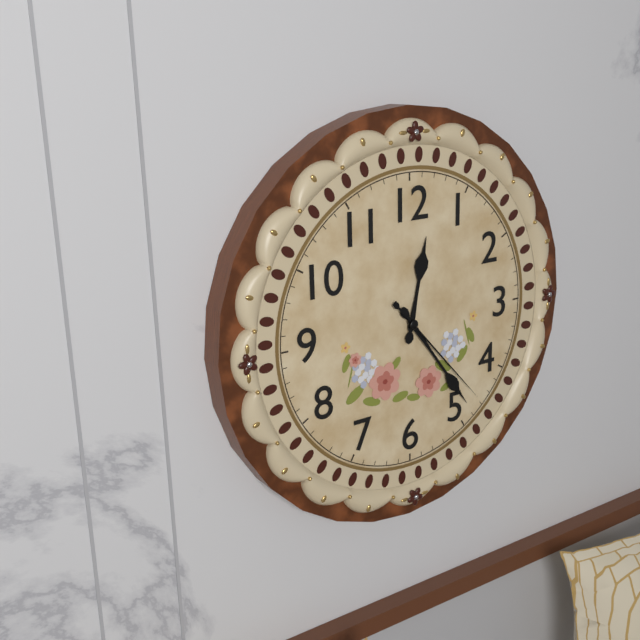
12.24.23
